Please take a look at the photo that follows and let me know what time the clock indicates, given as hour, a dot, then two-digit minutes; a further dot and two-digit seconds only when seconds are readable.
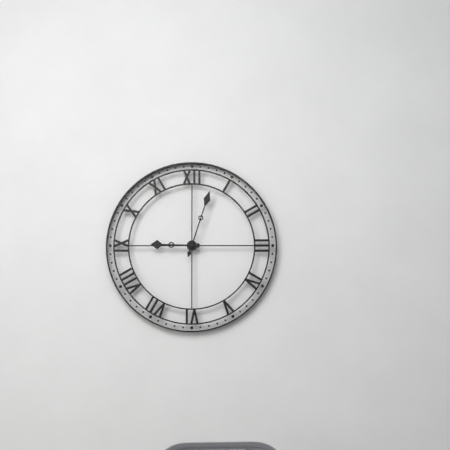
9.03
